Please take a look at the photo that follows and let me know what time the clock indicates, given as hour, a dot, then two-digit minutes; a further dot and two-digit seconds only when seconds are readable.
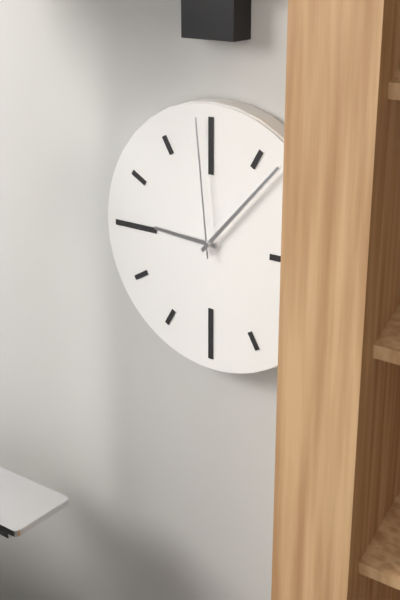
9.07.59
